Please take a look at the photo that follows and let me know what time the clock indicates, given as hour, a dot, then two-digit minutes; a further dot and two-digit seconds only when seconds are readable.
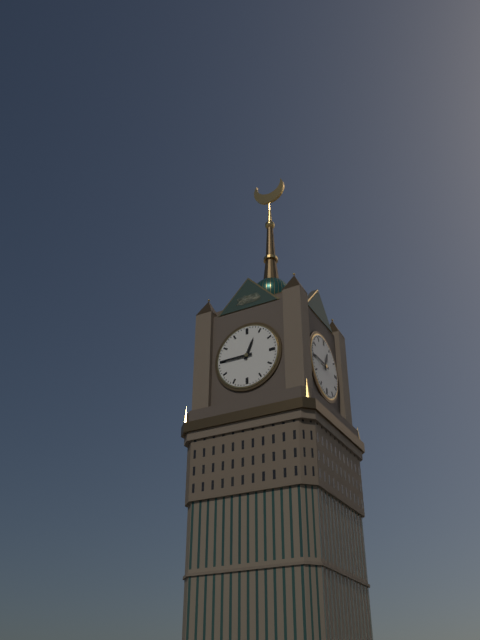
12.45
